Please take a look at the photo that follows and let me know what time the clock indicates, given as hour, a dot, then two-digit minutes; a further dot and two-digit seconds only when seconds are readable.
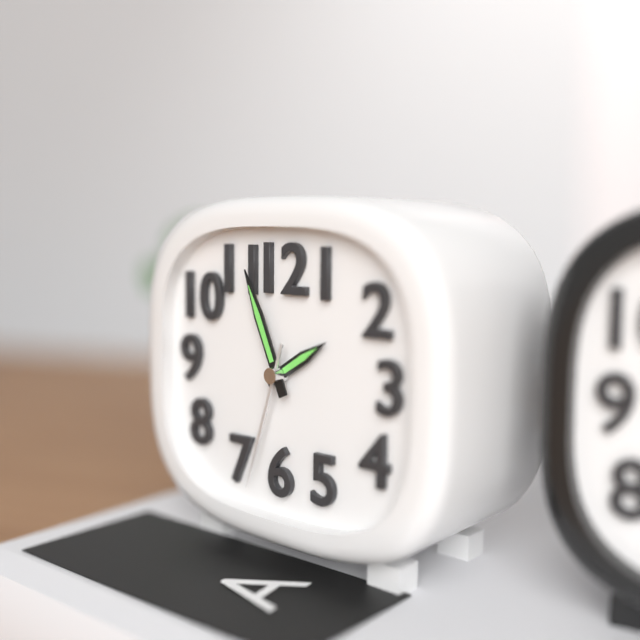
1.56.33
